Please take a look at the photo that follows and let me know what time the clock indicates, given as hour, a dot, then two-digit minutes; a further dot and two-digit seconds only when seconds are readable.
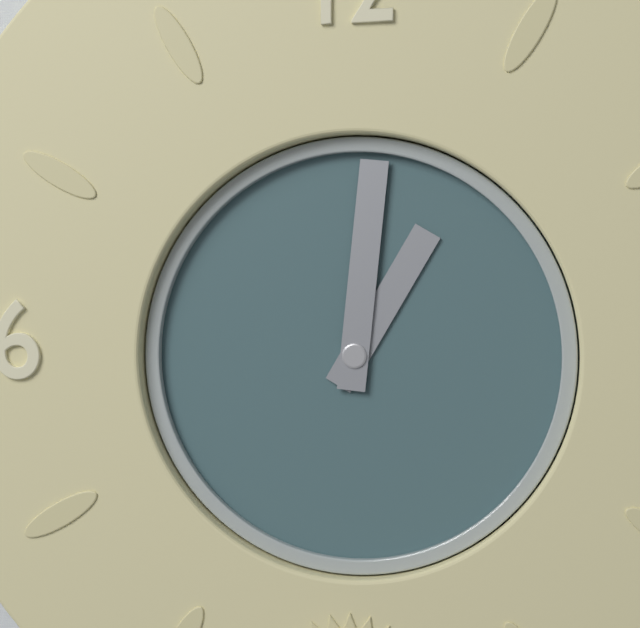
1.01
